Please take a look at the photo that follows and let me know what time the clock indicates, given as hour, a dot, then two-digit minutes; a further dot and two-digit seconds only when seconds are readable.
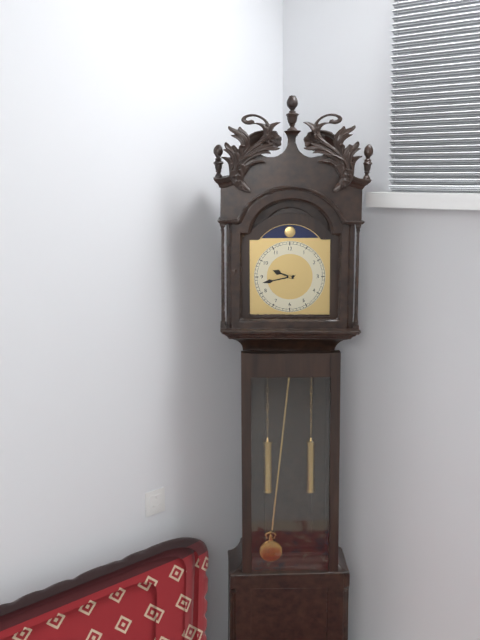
9.43
